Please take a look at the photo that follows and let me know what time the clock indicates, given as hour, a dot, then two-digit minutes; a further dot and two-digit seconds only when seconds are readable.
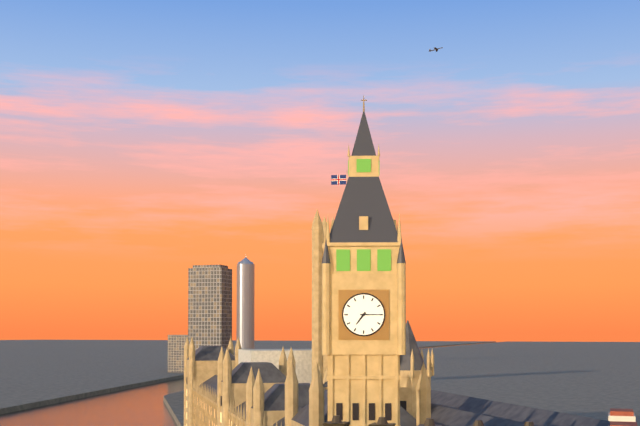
7.15
